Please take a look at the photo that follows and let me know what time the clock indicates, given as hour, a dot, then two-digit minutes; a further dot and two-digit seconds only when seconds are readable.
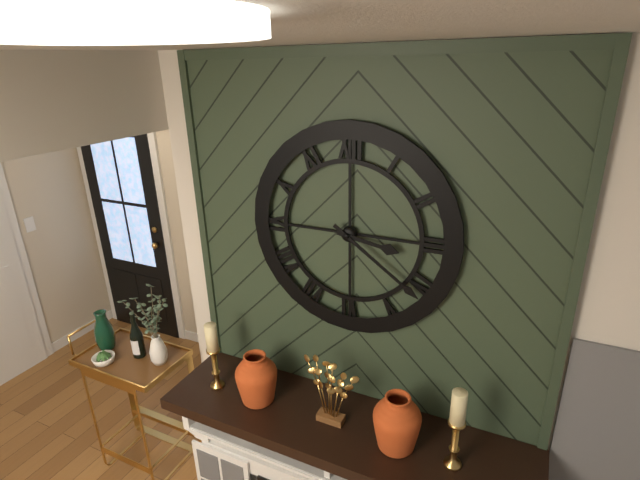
3.21
